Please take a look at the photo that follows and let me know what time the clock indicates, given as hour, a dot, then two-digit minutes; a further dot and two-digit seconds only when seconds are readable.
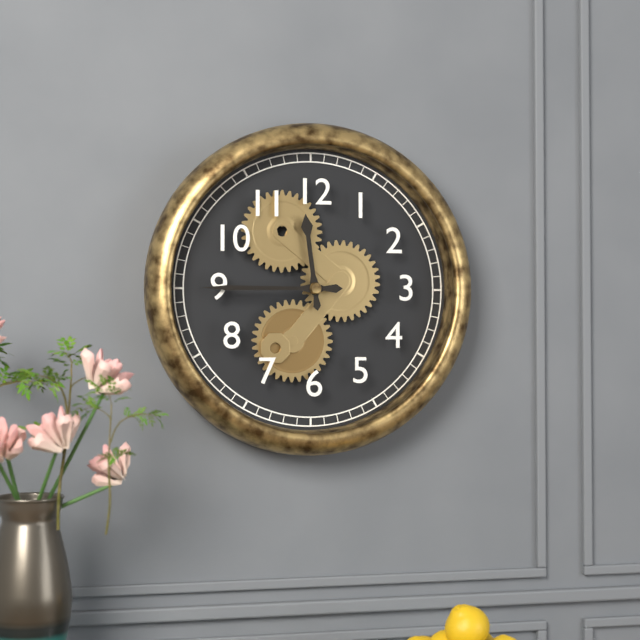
11.45
